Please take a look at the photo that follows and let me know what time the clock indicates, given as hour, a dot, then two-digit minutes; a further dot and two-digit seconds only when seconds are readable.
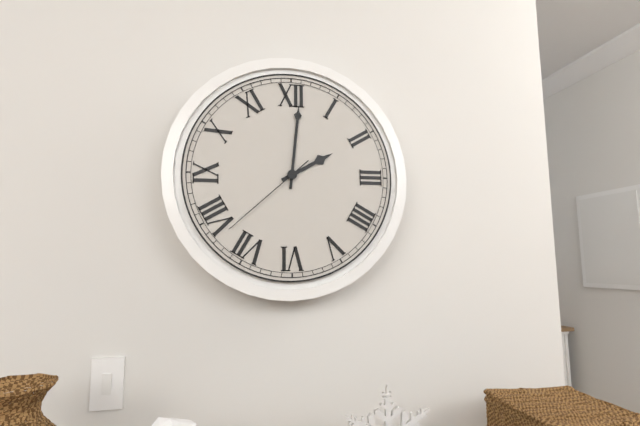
2.01.38
